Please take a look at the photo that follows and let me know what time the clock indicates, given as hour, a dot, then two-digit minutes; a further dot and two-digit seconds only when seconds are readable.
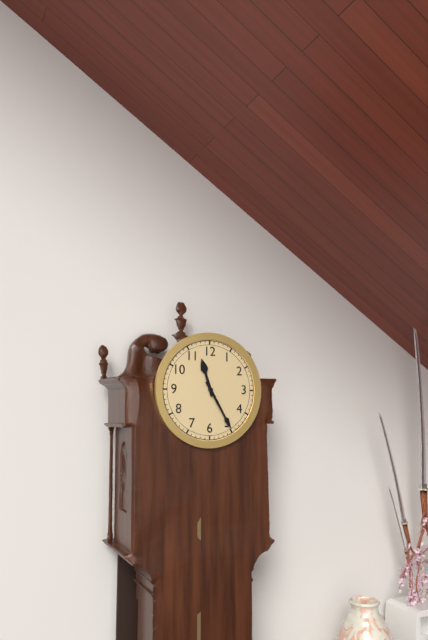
11.25
